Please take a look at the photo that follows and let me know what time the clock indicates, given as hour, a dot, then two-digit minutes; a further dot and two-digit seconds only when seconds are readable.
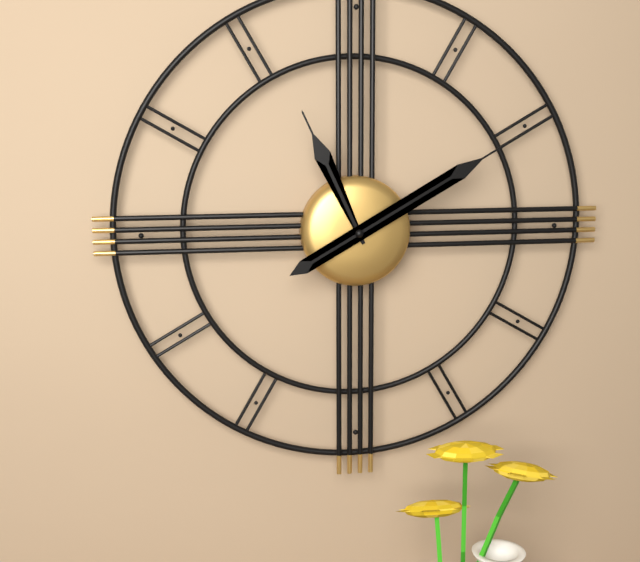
11.10
